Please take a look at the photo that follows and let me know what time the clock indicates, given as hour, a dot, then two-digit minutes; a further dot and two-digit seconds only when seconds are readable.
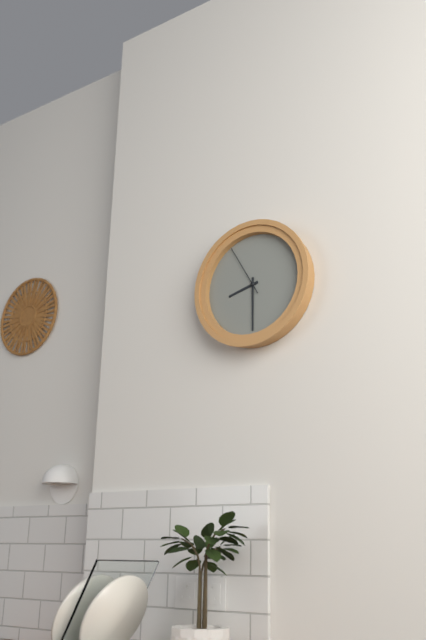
8.30.55
